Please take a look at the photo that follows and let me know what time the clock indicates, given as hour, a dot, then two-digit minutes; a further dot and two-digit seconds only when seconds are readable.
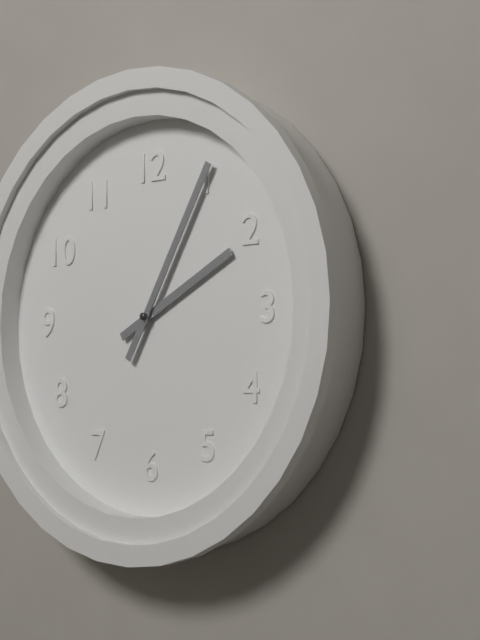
2.05
